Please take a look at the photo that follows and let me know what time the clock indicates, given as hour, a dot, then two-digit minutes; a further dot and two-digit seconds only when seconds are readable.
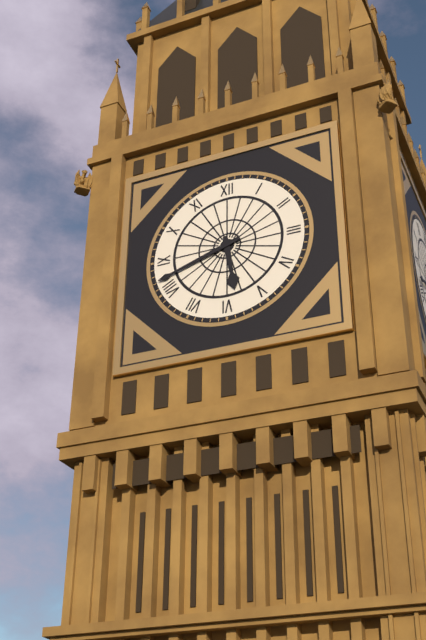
5.42
